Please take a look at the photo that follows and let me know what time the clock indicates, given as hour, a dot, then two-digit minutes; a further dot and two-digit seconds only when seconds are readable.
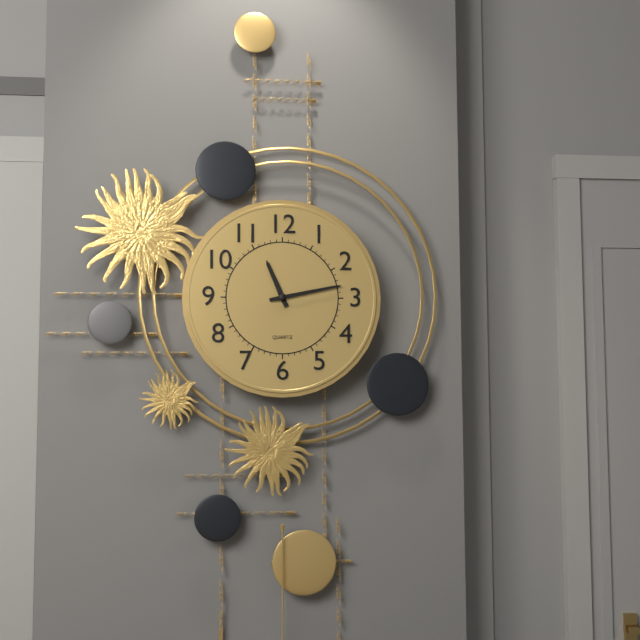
11.13
